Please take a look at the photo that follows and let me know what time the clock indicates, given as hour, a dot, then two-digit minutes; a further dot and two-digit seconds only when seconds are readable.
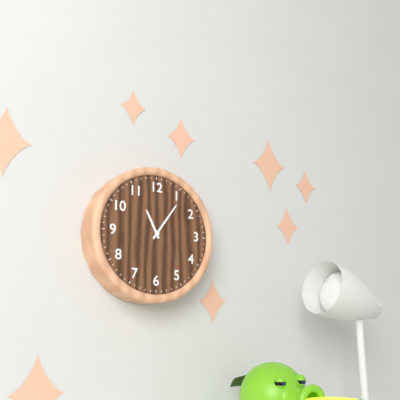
11.06
